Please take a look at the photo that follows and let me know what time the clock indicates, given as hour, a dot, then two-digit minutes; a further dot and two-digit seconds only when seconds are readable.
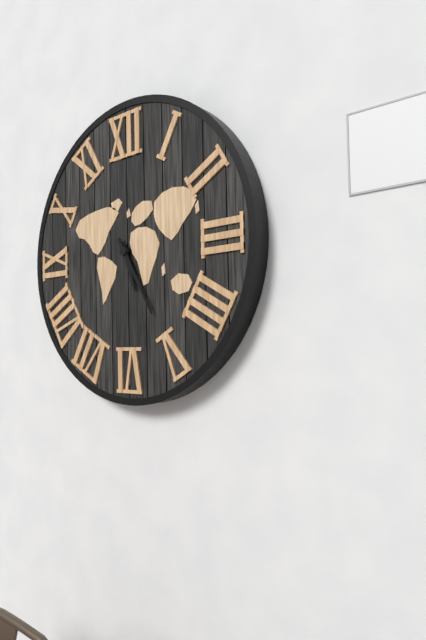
5.25
